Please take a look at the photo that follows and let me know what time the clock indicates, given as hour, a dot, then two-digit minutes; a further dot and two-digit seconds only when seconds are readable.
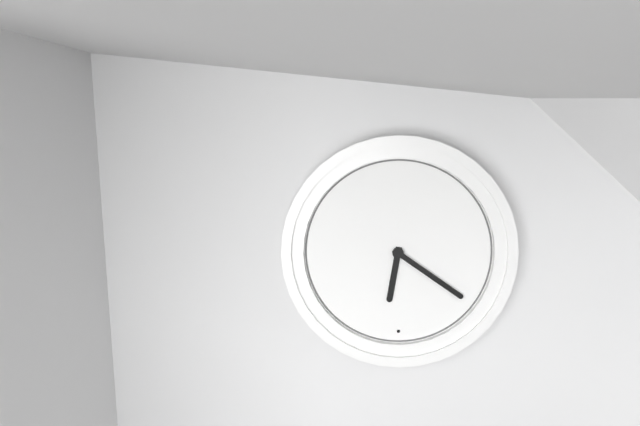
6.21
